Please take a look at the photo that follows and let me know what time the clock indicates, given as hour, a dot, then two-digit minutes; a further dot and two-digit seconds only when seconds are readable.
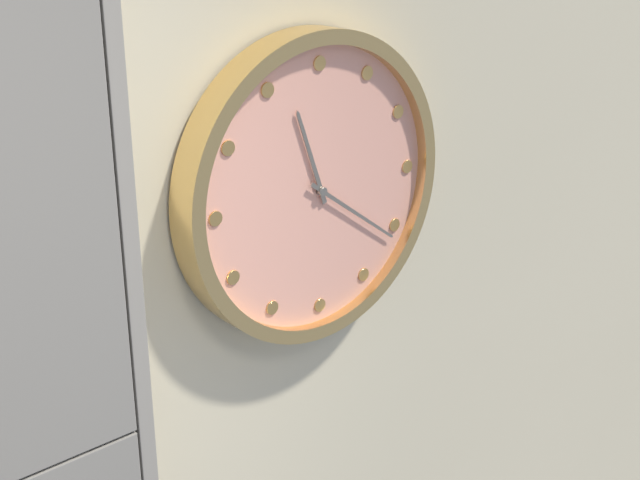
11.21
